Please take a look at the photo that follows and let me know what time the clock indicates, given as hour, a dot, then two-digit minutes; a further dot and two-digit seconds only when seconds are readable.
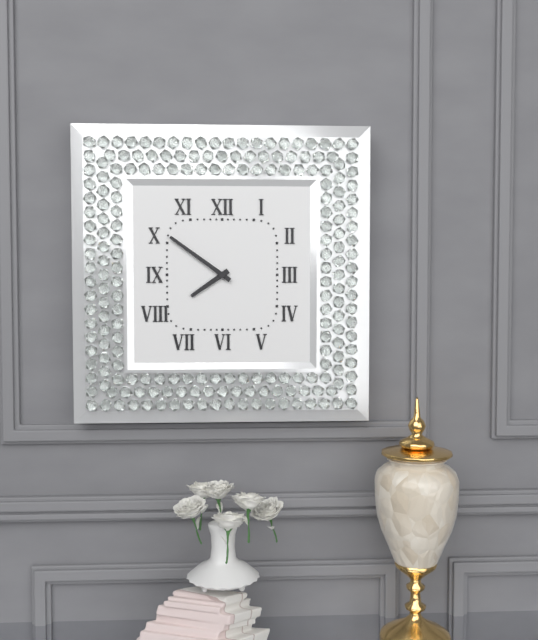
7.51
